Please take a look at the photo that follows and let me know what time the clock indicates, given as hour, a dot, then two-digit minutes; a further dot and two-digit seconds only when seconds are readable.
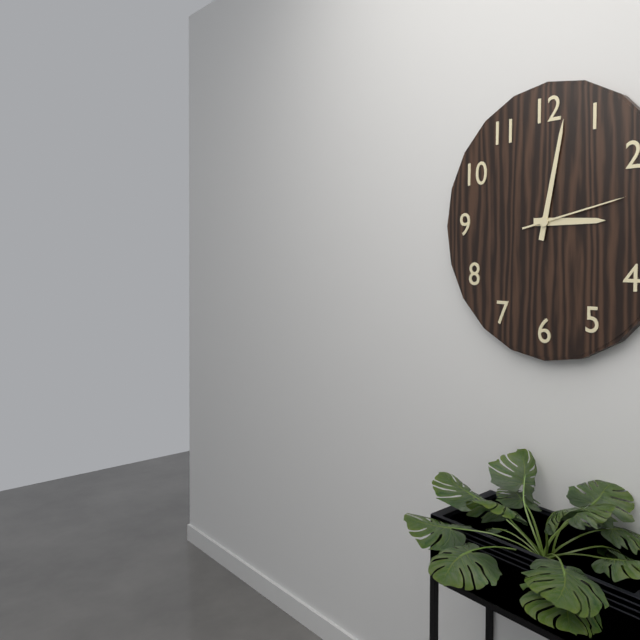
3.02.13
